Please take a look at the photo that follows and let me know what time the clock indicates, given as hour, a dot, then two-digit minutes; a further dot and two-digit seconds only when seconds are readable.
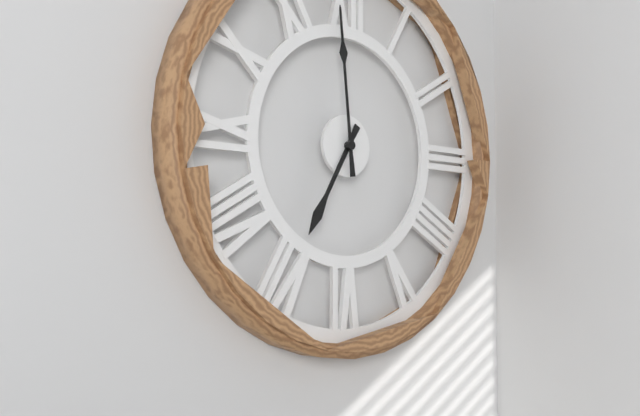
6.59
